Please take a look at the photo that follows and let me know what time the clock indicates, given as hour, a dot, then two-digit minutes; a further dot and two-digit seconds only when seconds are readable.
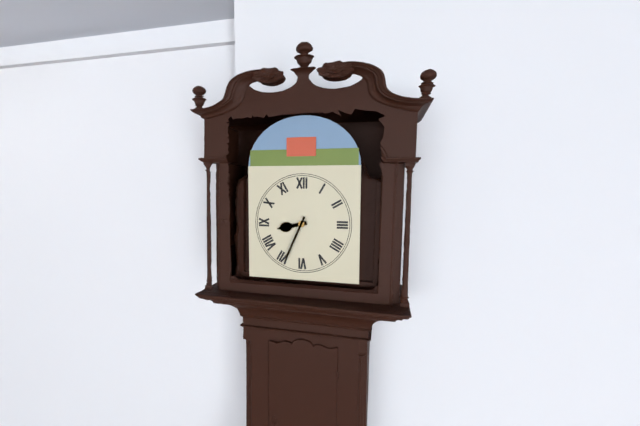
8.34
